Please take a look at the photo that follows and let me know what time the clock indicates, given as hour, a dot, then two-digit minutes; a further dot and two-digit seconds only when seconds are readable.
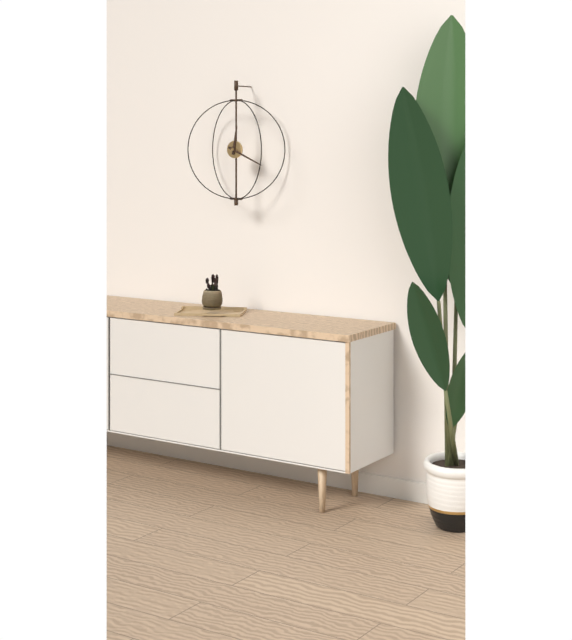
12.19
